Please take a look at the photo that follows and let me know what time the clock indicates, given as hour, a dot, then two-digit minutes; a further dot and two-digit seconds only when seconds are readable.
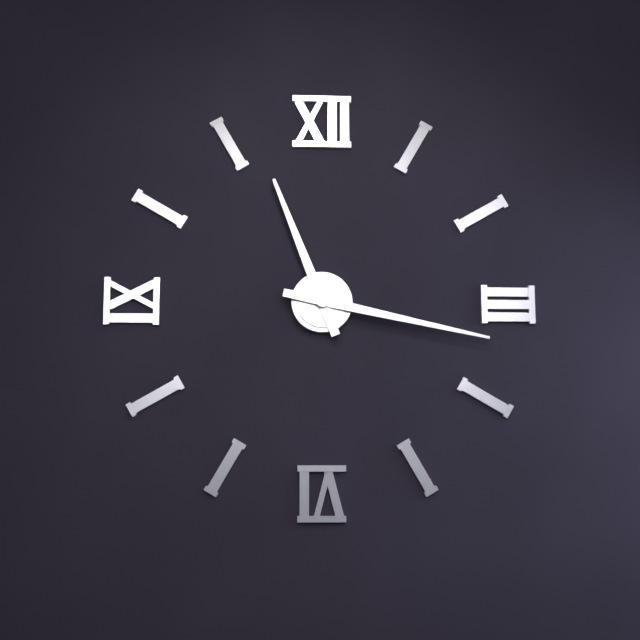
11.17
